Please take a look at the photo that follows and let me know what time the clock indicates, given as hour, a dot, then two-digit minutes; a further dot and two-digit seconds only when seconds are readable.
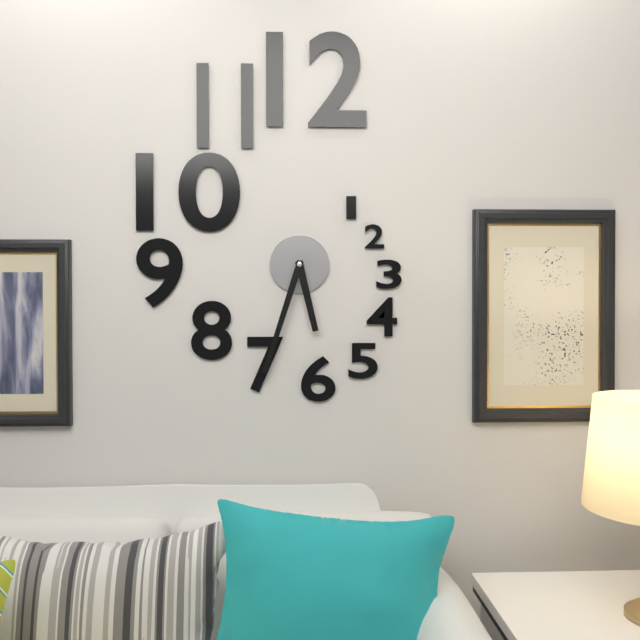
5.33
